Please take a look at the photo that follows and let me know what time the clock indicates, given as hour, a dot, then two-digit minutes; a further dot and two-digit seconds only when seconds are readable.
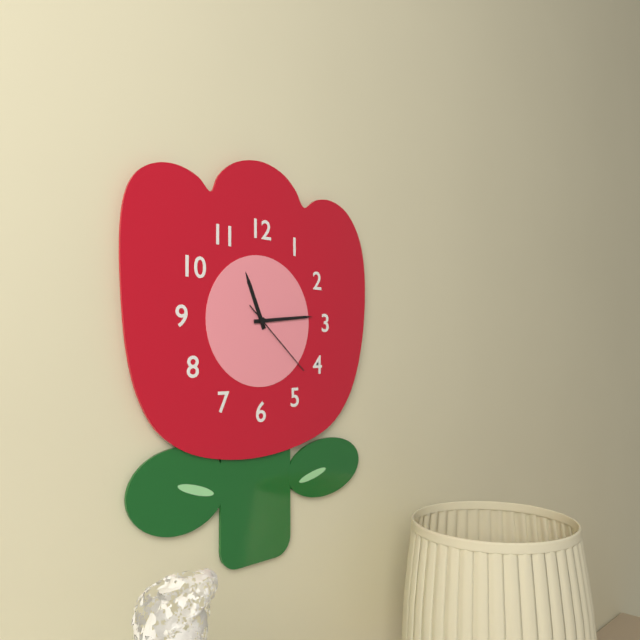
11.14.22
